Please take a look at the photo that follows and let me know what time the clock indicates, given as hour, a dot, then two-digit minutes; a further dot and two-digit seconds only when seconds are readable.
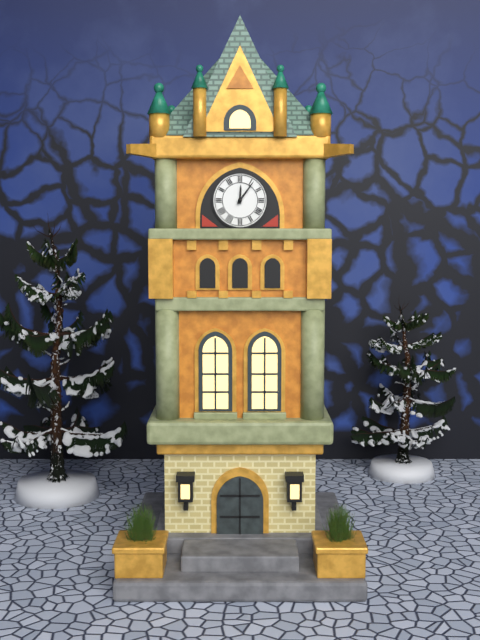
12.06
